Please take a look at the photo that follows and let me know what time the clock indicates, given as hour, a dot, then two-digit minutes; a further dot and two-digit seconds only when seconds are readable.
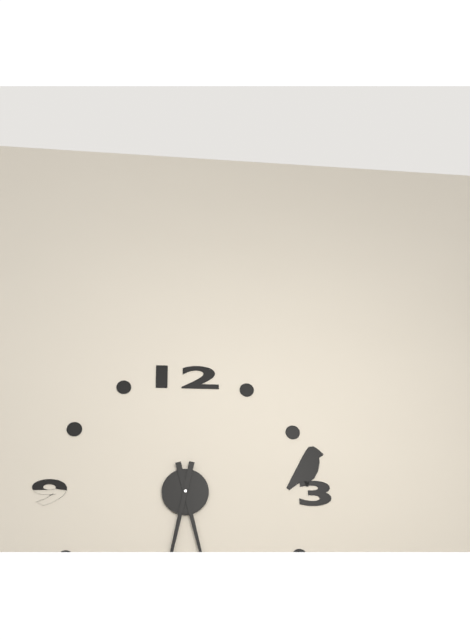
5.32
